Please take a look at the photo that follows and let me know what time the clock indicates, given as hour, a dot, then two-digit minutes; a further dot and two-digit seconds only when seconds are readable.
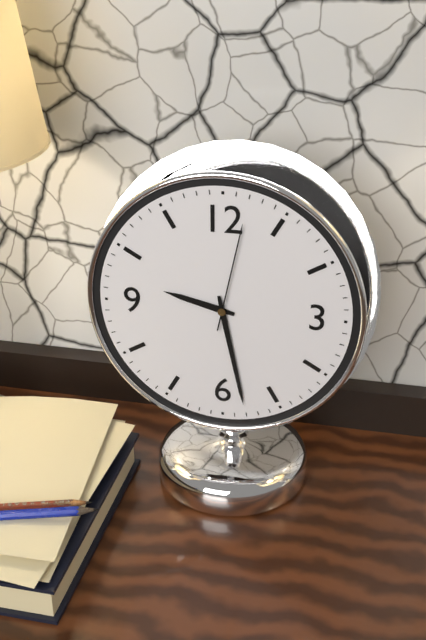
9.28.02
